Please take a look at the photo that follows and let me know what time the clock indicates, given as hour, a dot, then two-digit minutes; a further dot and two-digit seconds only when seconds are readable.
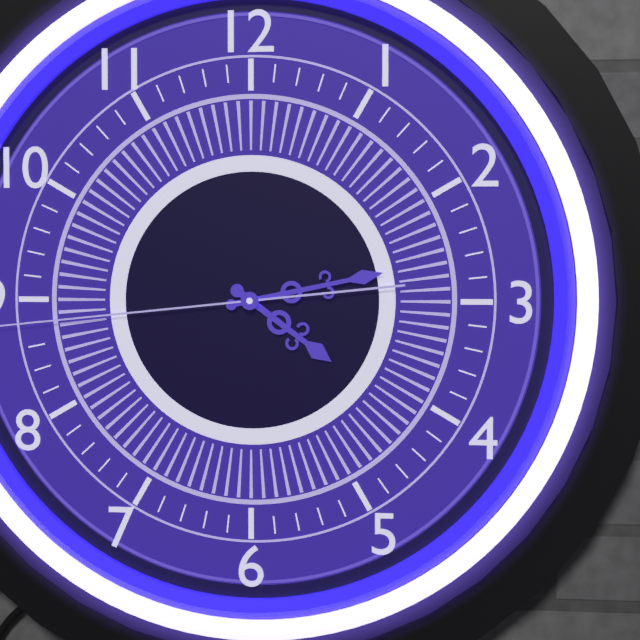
4.13
